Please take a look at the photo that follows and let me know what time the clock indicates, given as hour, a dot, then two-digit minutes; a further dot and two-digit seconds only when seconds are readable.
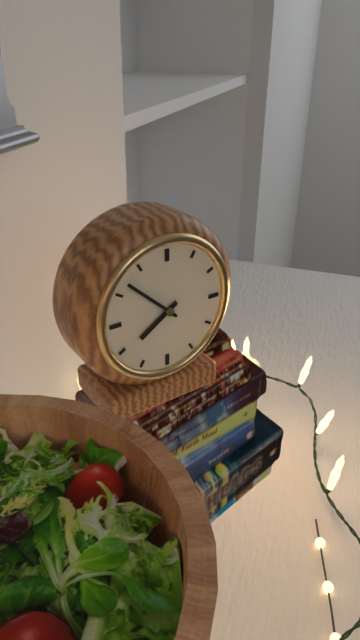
7.52
